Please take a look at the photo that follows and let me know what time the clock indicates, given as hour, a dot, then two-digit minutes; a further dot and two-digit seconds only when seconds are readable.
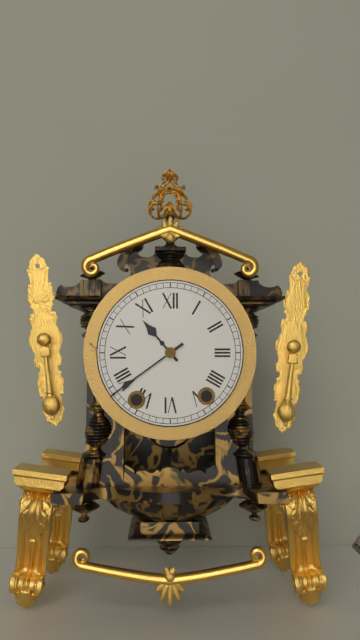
10.39
